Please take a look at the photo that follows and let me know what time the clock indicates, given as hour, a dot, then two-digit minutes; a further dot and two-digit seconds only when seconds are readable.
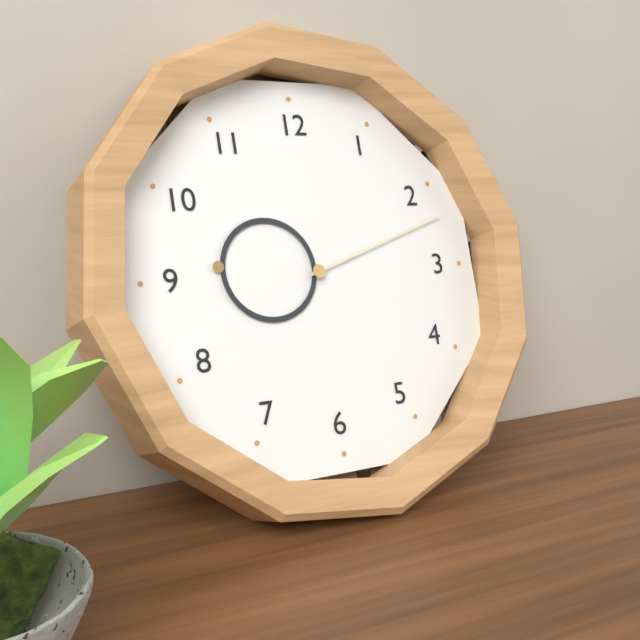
9.12
